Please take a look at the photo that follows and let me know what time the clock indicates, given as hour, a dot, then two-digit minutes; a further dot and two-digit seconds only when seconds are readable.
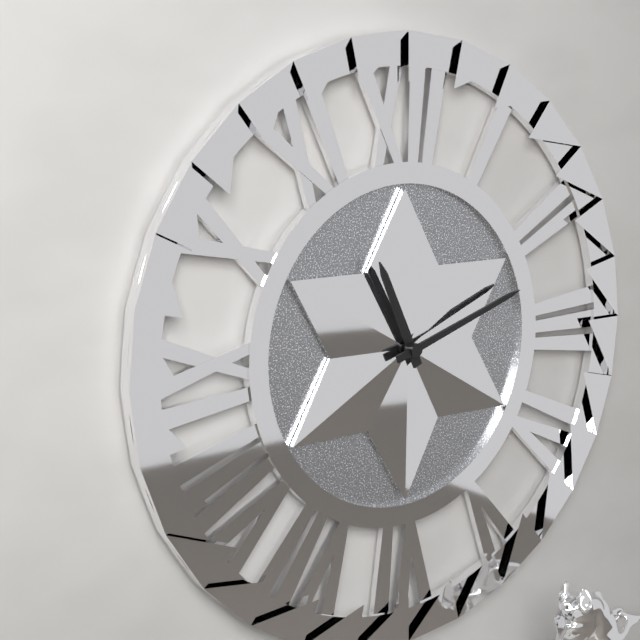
11.12
